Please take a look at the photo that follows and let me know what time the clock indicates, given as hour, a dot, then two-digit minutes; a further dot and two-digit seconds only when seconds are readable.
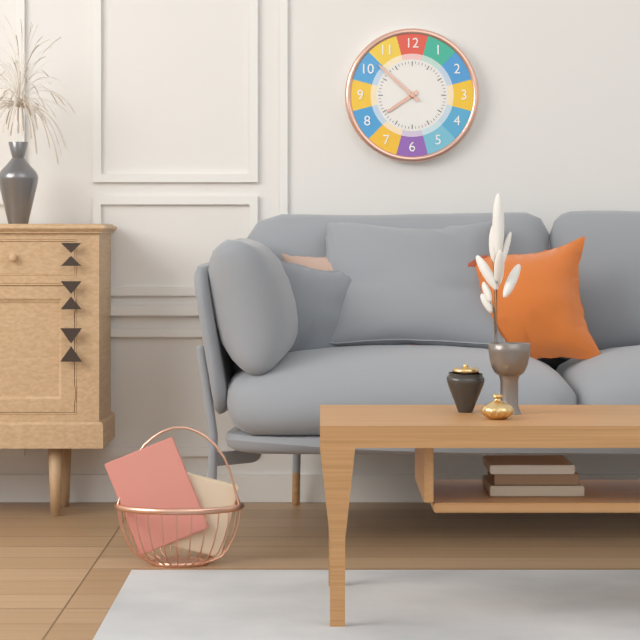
7.52
